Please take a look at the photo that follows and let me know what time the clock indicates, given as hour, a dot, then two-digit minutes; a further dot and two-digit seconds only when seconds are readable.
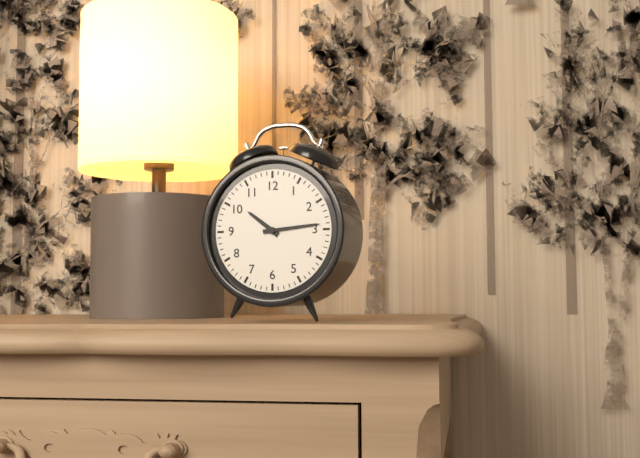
10.14
